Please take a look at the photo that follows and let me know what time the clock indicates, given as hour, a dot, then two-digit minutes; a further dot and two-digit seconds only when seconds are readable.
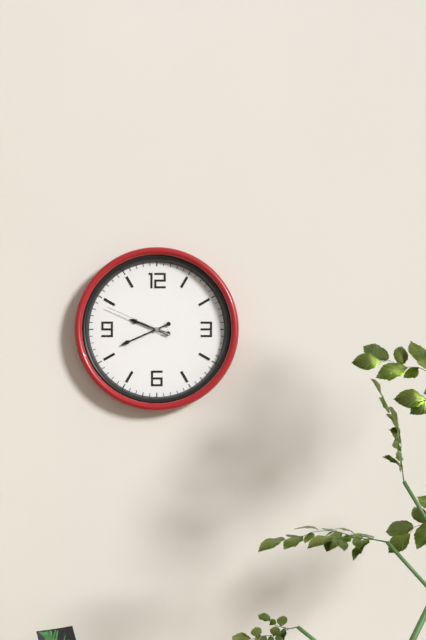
9.41.49
